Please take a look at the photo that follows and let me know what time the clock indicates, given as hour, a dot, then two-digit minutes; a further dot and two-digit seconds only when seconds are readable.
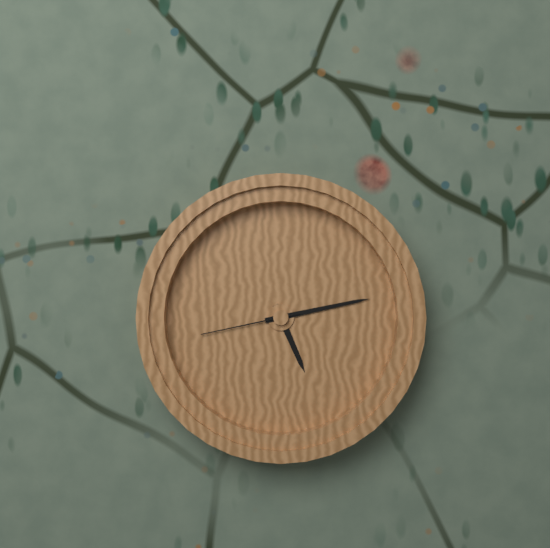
5.13.43
